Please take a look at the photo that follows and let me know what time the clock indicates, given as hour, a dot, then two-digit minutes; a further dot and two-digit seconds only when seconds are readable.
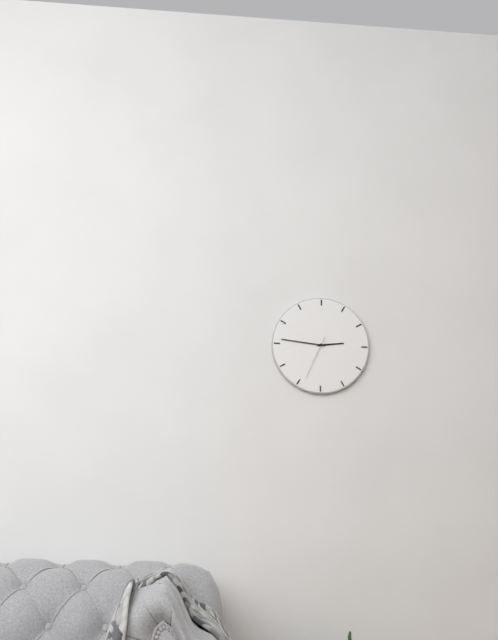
2.46
